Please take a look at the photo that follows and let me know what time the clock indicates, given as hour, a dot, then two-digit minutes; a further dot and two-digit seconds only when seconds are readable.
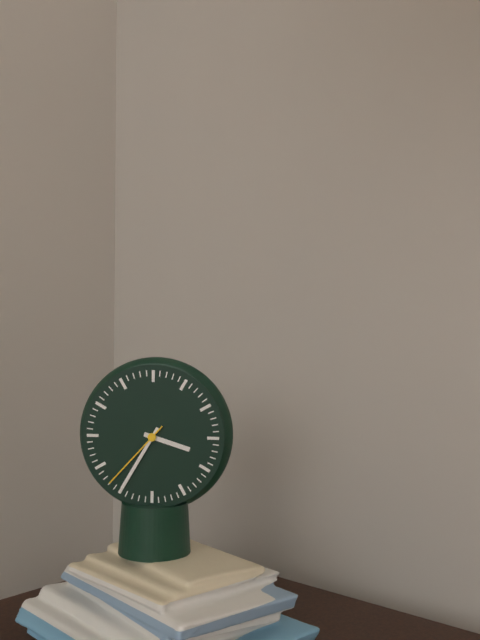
3.35.37
